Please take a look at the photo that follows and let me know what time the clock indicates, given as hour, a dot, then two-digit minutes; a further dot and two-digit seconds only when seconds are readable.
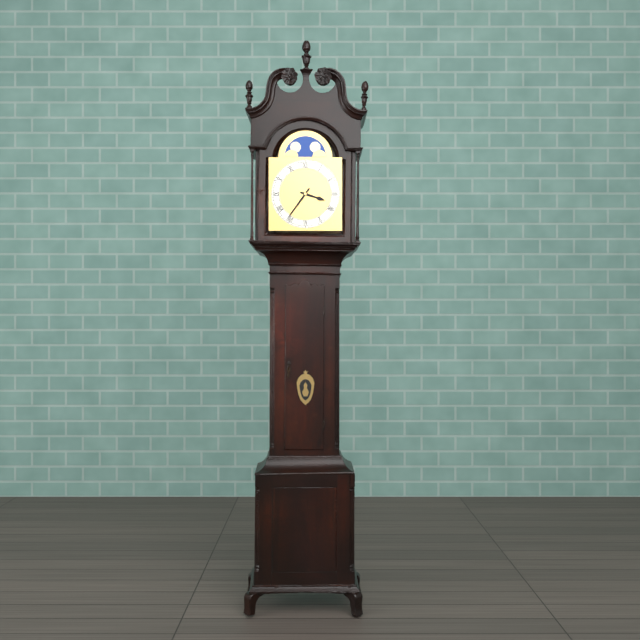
3.36
